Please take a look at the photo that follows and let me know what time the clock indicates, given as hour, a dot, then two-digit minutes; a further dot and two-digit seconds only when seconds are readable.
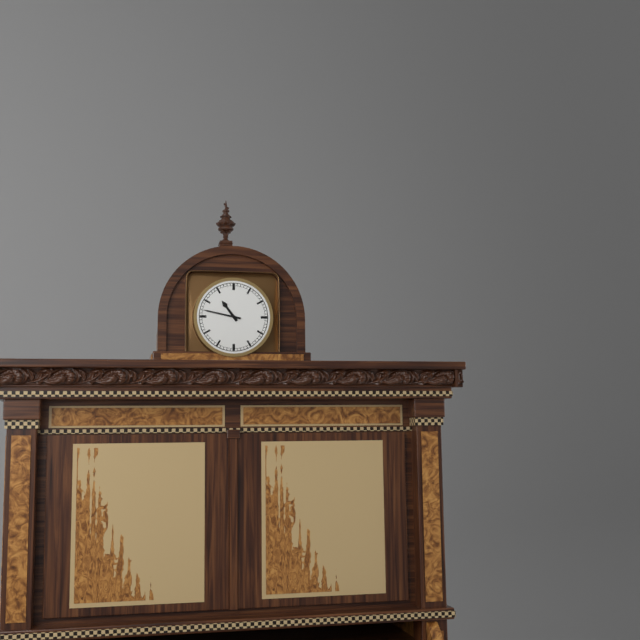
10.47
